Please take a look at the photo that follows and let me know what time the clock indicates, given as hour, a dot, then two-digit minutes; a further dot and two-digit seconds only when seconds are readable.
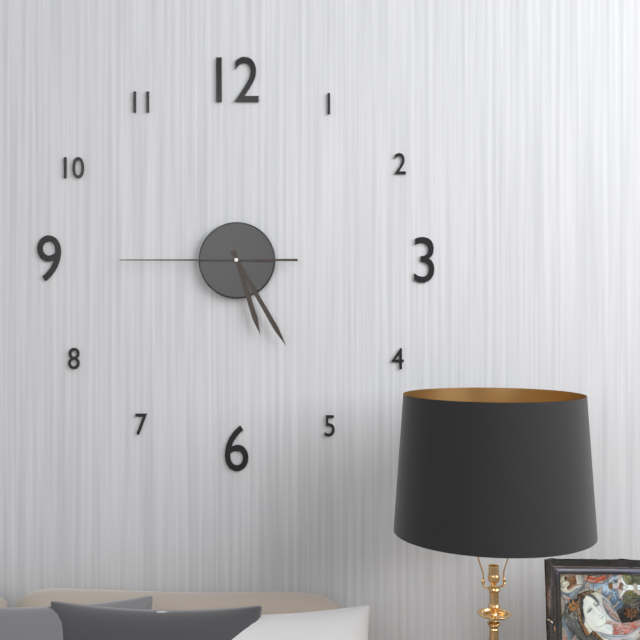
5.25.45
